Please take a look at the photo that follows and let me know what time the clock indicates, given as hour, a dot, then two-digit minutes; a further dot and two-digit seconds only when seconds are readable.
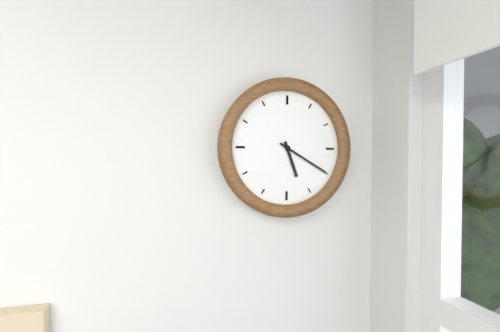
5.20
